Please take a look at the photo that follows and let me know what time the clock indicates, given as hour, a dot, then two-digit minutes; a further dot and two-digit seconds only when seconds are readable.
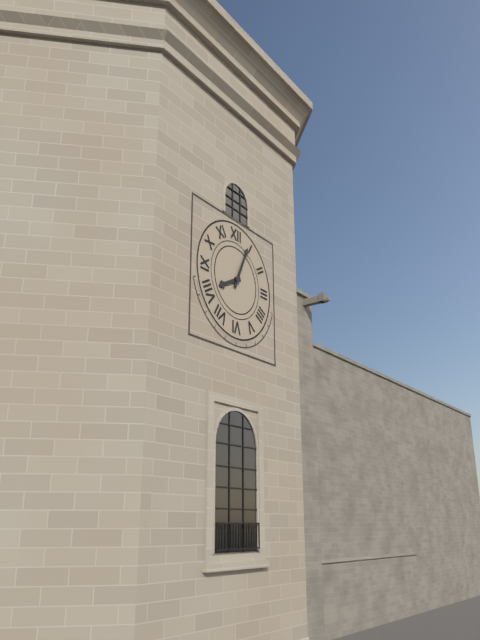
8.04
